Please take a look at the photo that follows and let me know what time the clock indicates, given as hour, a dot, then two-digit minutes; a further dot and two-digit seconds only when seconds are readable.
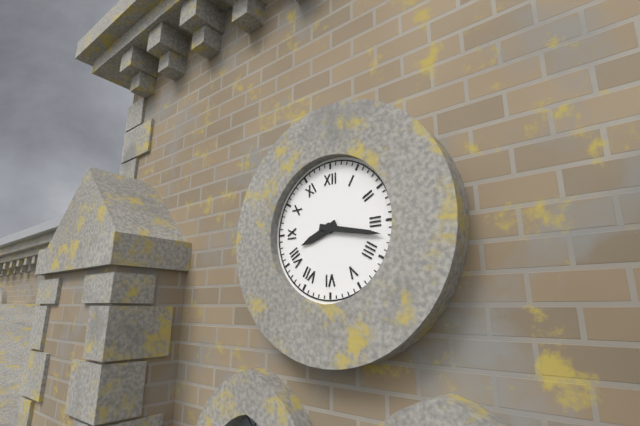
8.17
